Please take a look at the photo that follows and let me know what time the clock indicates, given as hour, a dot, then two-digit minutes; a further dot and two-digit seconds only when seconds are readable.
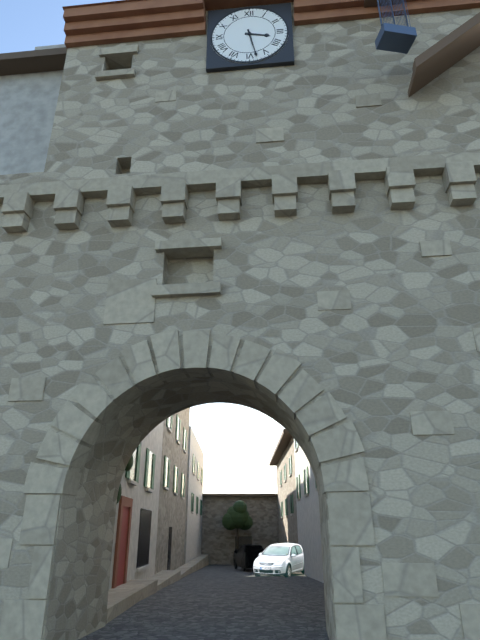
3.28
